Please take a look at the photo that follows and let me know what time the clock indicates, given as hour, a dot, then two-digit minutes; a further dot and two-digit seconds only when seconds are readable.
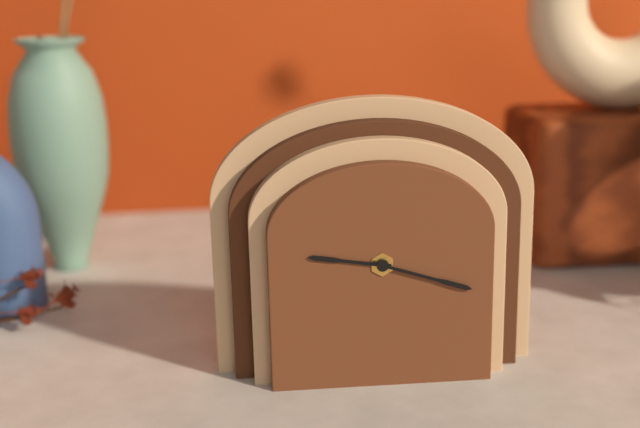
9.18
